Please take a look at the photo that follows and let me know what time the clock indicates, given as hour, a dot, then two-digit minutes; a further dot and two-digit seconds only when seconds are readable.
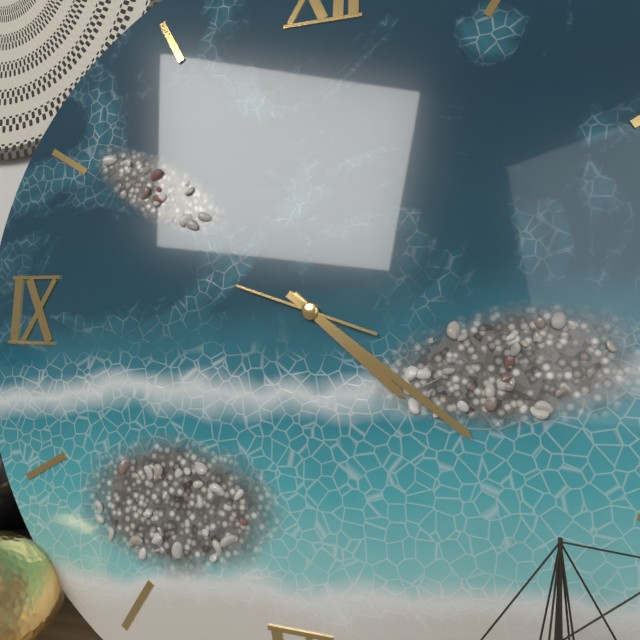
4.21.48
